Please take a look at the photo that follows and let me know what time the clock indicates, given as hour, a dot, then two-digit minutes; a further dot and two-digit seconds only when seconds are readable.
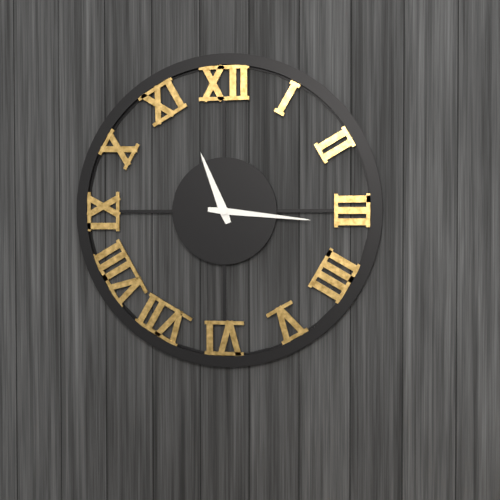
11.16
